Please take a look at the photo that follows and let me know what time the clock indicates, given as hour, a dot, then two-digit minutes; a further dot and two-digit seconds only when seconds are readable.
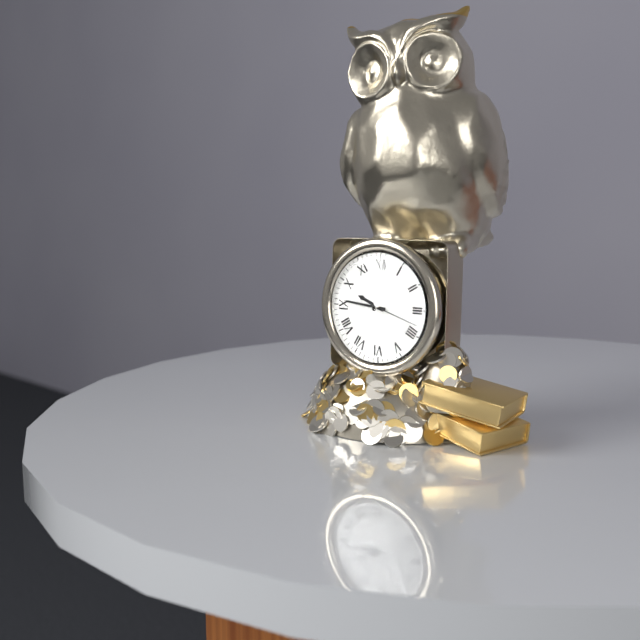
9.46
